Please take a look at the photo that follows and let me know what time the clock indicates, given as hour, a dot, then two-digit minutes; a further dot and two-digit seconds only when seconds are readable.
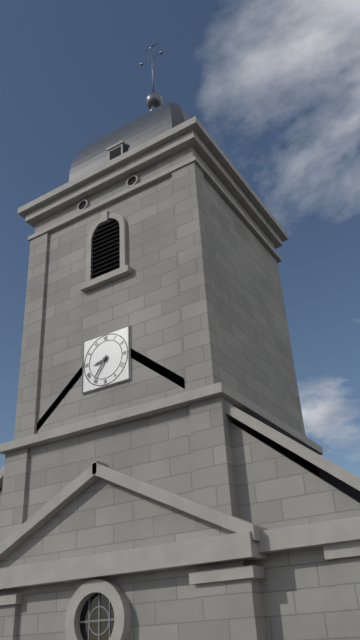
8.36
